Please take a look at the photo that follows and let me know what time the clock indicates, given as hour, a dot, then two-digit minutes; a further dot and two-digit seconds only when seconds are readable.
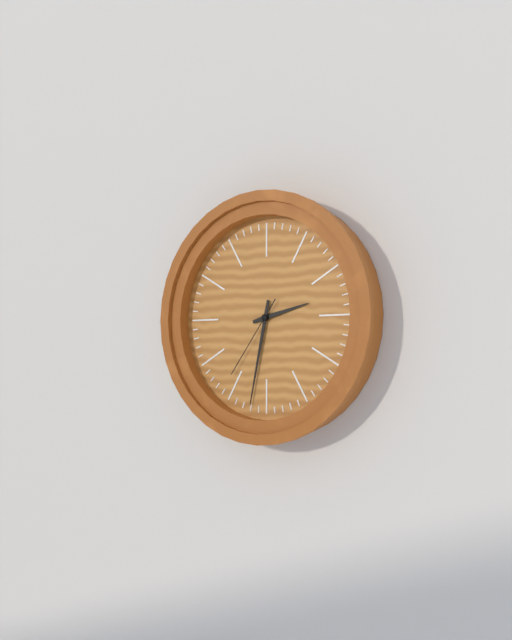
2.32.36
